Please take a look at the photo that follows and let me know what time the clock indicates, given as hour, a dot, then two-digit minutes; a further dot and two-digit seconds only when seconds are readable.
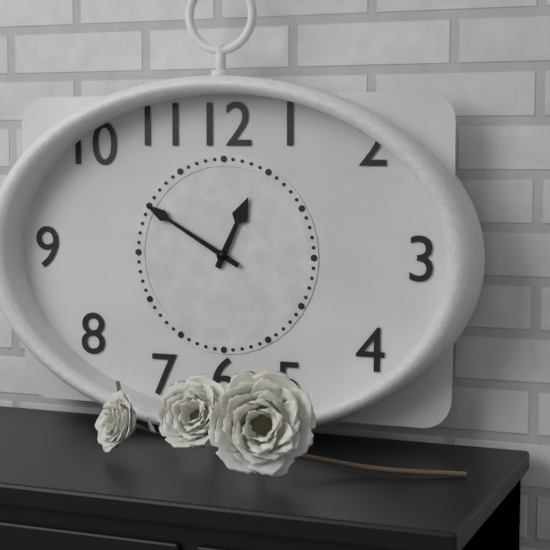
12.50
